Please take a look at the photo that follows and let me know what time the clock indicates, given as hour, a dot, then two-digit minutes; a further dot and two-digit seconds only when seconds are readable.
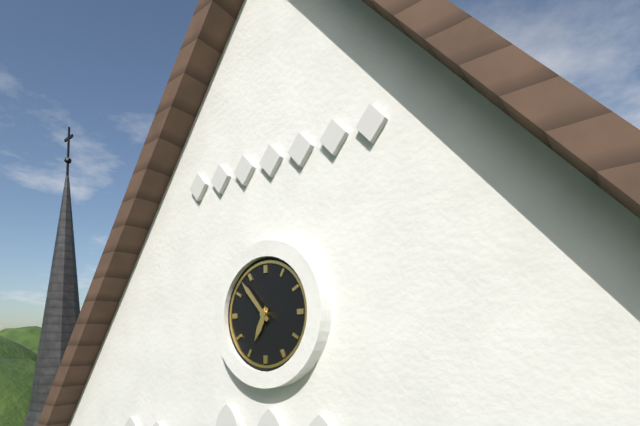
6.53
